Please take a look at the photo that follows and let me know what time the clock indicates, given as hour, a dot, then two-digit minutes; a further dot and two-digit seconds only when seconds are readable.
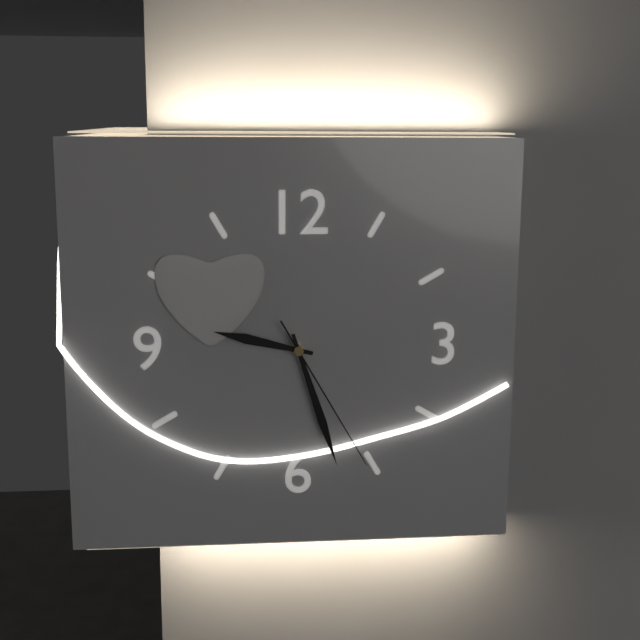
9.27.25
